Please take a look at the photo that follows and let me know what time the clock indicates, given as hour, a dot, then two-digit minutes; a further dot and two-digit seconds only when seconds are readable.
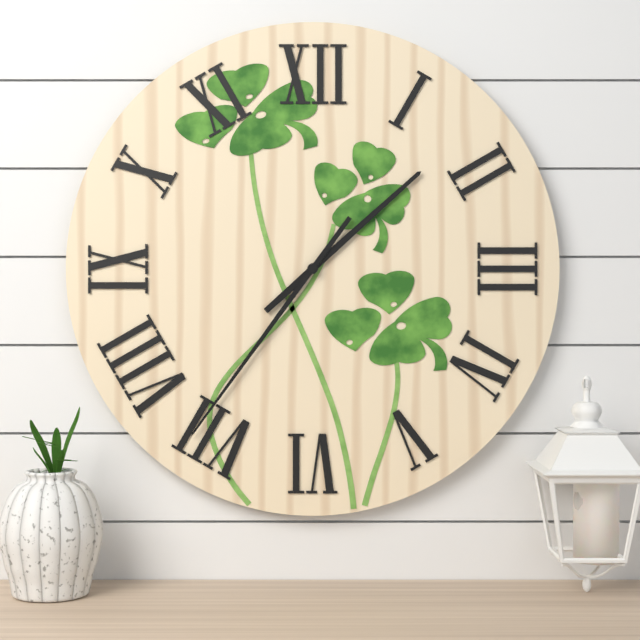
1.36
